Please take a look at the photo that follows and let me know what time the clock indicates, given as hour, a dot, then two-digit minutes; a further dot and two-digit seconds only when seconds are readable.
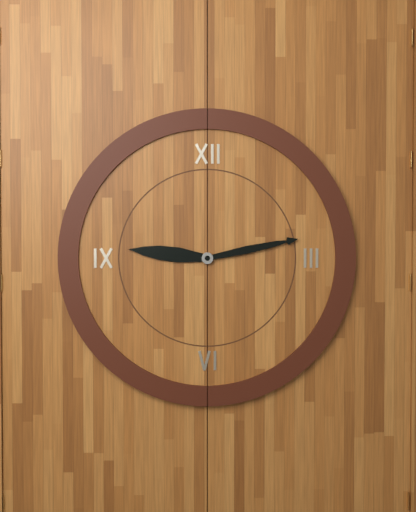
9.13
